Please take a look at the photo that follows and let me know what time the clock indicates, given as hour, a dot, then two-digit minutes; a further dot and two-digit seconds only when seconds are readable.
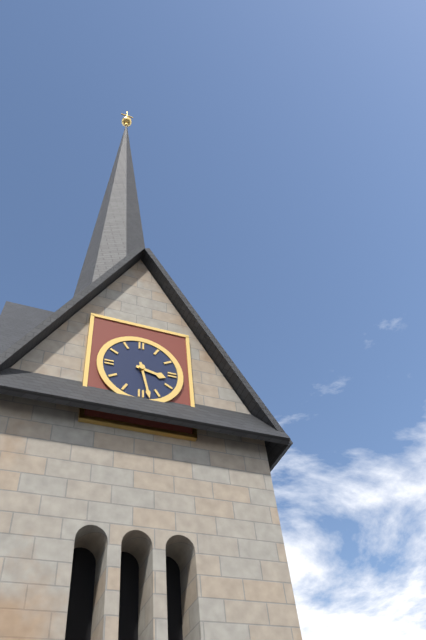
3.28
